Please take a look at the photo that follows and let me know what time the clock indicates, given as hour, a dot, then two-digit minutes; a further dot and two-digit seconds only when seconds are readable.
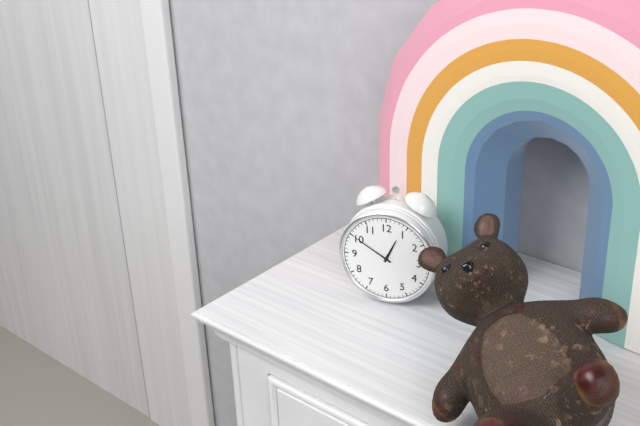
12.50
